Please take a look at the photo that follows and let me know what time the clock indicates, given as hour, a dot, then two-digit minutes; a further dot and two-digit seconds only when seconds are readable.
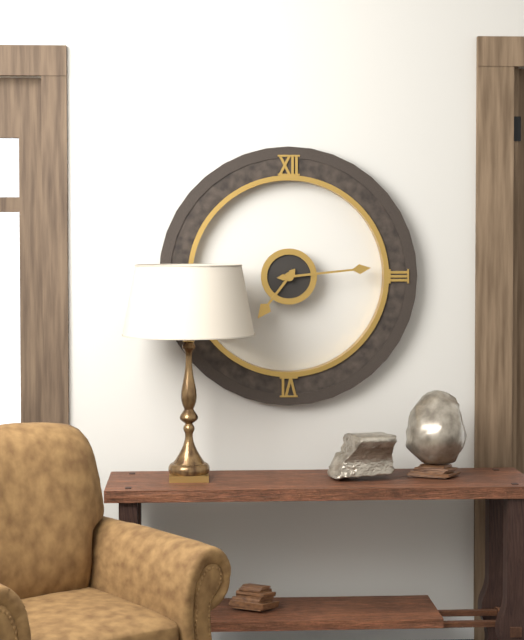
7.14
